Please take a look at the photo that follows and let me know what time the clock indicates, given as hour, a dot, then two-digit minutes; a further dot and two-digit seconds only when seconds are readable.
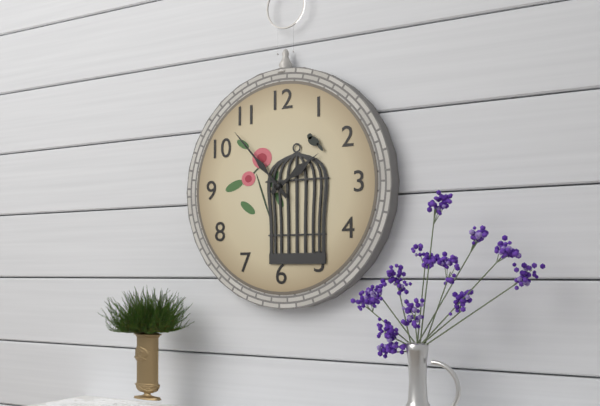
1.53
